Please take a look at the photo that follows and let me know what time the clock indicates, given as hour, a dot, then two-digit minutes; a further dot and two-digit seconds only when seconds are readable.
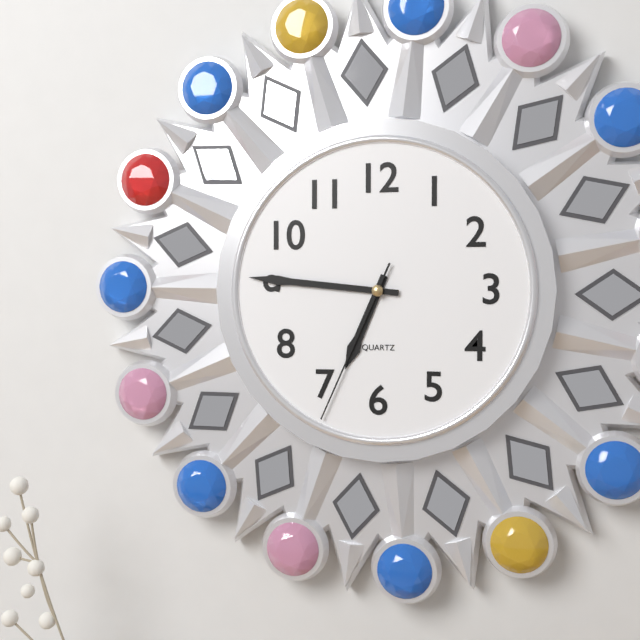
6.46.34
